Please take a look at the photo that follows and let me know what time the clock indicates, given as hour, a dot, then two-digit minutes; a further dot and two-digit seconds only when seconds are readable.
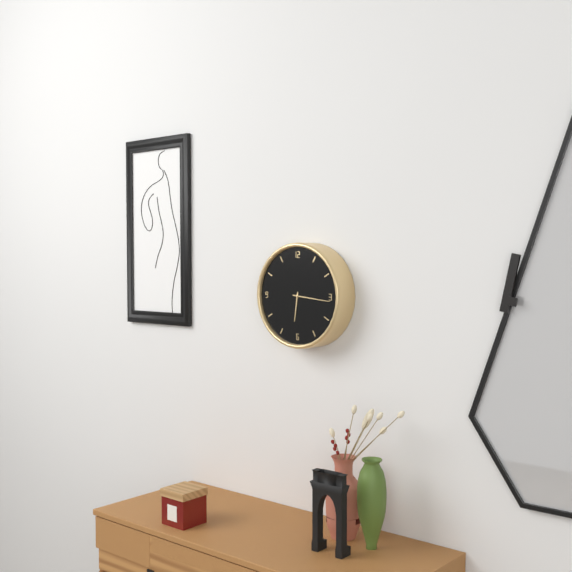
6.16
